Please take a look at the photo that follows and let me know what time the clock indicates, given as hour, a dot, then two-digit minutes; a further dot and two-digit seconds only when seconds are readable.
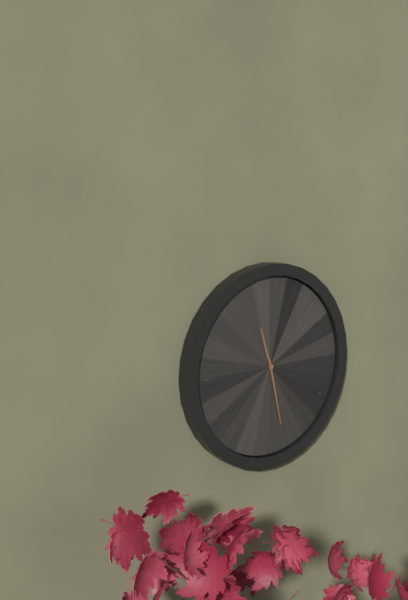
11.28
